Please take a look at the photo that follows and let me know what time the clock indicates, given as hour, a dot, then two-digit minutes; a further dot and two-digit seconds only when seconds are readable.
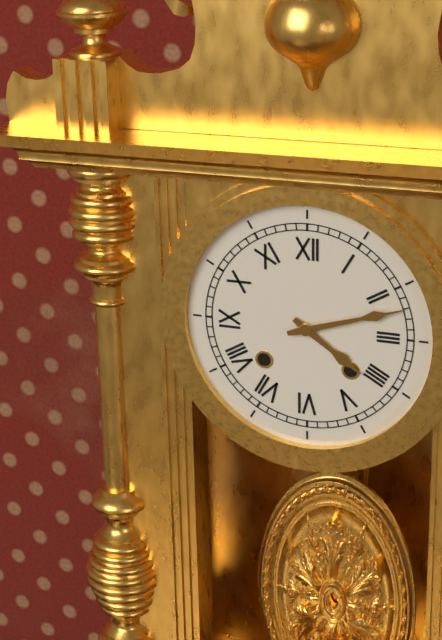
4.12
